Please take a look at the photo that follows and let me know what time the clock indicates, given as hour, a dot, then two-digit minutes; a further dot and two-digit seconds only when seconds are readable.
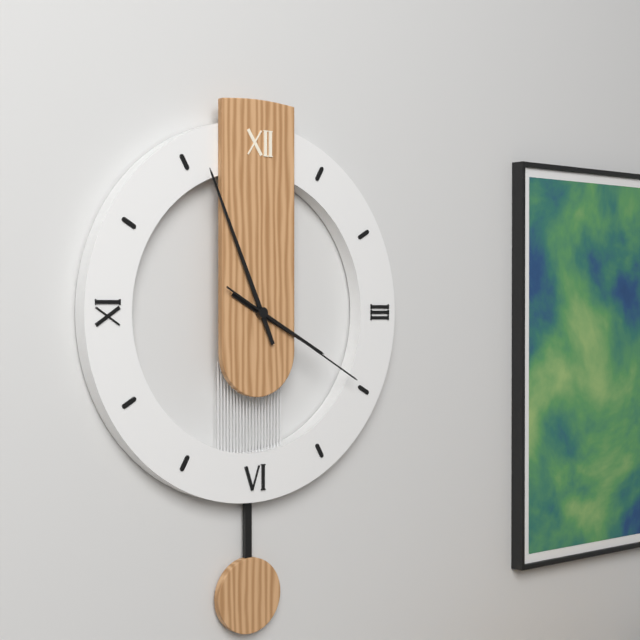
3.56.20
